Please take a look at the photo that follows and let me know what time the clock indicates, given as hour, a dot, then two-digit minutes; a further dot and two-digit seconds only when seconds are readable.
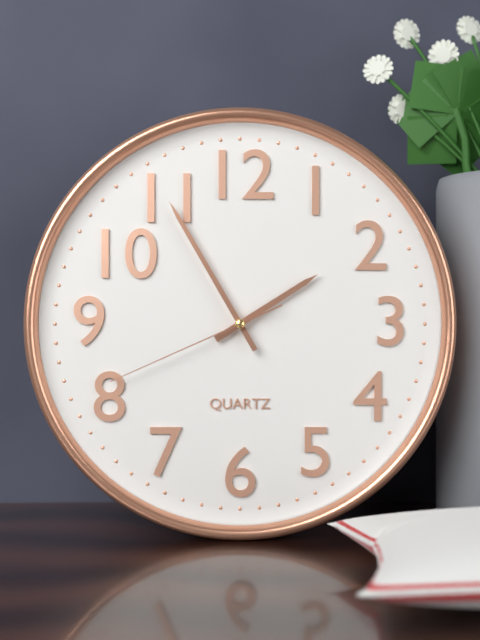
1.55.41
